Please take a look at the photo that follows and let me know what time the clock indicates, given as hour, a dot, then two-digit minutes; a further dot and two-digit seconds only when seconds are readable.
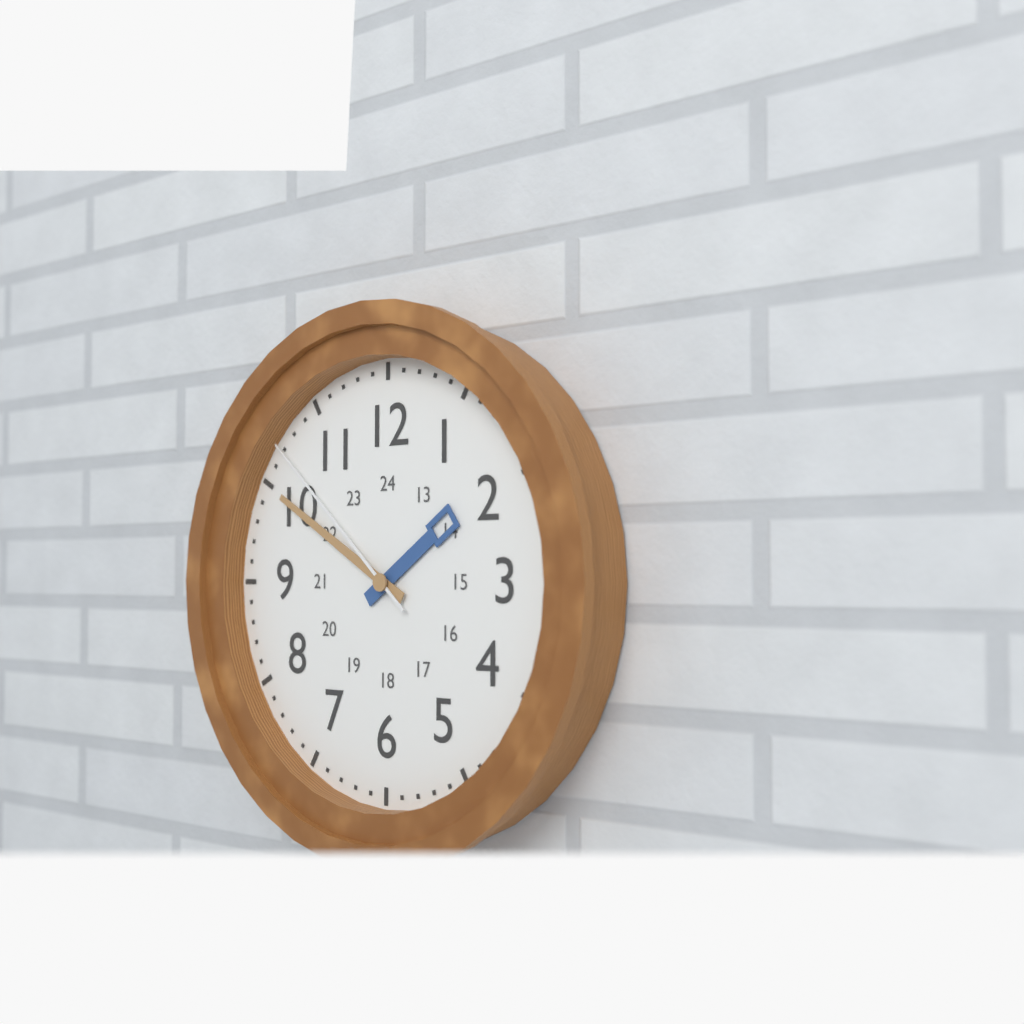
1.50.52
